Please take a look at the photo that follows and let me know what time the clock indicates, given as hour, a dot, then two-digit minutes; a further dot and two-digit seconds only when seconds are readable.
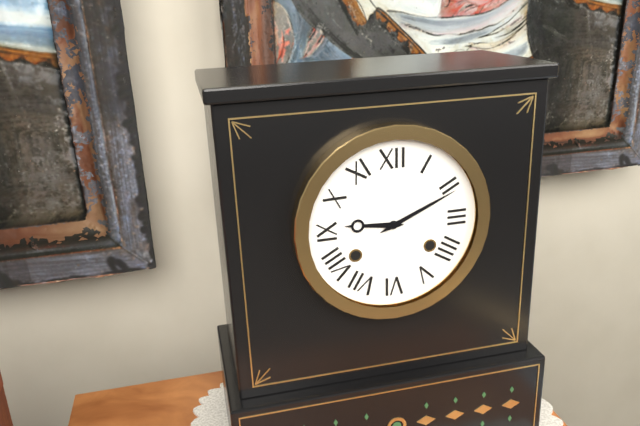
9.11
